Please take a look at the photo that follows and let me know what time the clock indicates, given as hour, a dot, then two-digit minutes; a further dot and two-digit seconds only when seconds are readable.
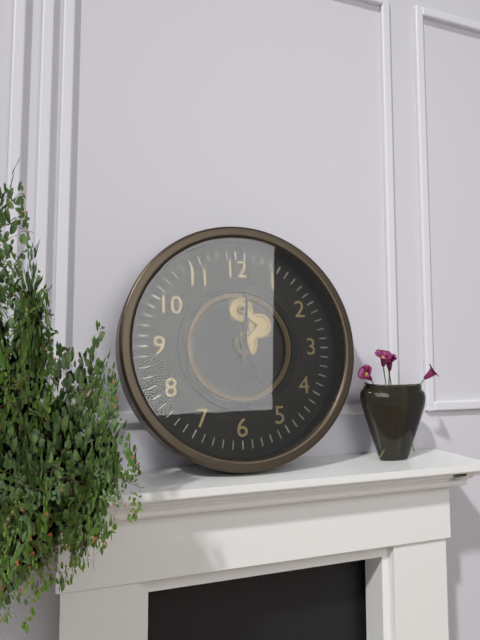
5.01
